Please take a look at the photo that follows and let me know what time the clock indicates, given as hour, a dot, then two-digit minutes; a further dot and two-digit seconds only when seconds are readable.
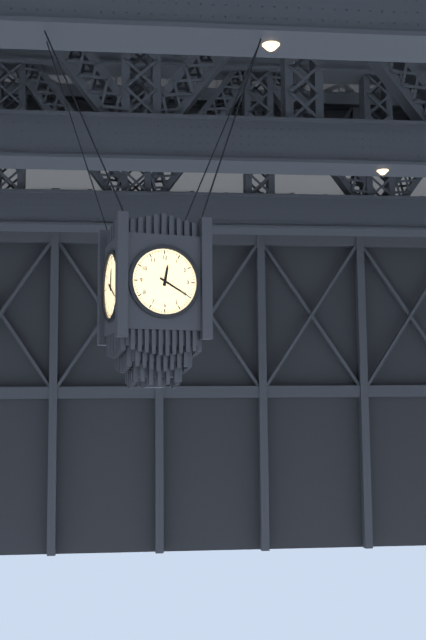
12.20
